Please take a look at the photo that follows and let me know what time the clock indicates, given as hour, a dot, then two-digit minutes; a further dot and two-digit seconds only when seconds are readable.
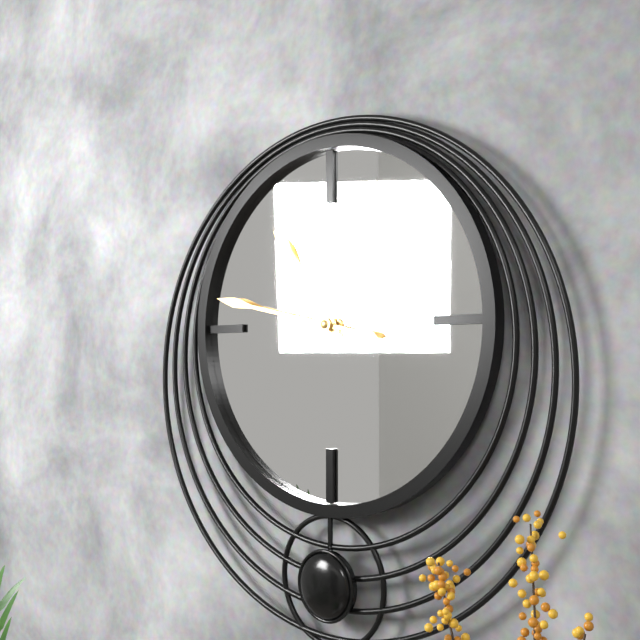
10.47
